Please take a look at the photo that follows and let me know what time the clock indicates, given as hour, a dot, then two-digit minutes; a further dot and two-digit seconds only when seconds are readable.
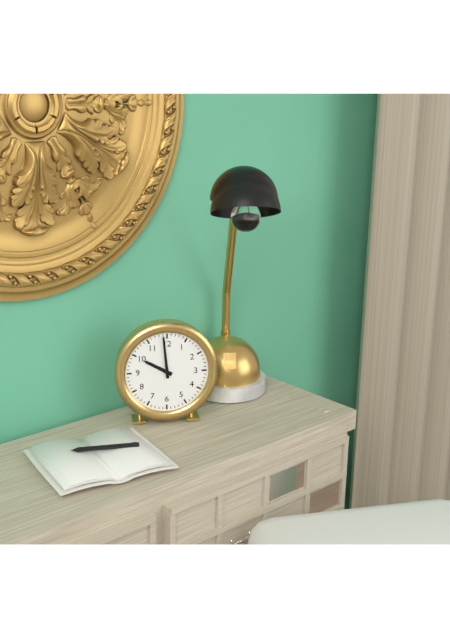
9.59
